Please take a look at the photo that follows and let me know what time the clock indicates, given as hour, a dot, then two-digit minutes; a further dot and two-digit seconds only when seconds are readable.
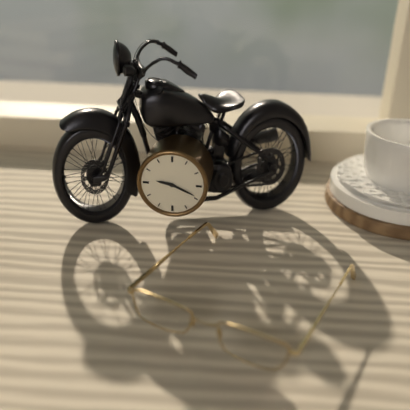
9.19
